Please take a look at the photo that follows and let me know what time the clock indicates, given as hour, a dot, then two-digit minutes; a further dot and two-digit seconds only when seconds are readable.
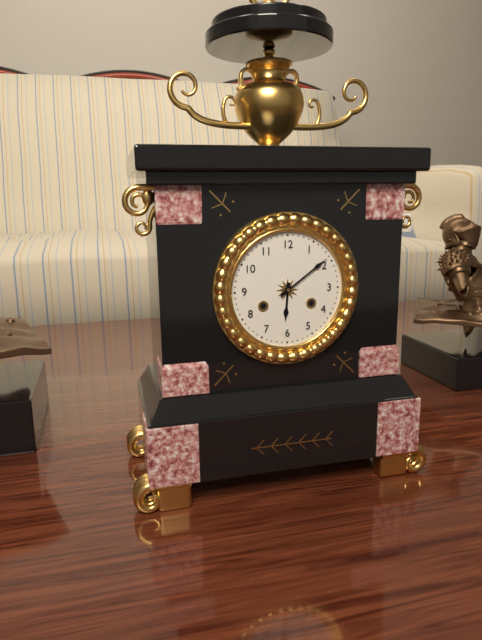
6.09
